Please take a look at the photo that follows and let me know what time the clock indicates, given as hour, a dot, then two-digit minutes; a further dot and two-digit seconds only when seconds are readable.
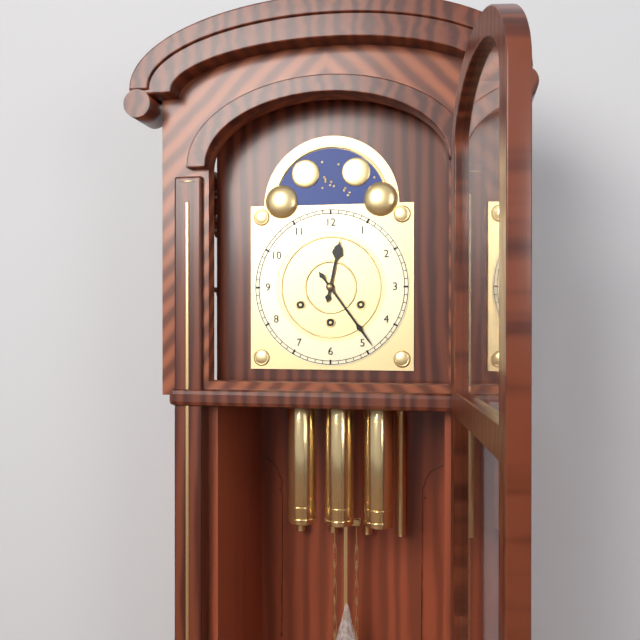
12.24
